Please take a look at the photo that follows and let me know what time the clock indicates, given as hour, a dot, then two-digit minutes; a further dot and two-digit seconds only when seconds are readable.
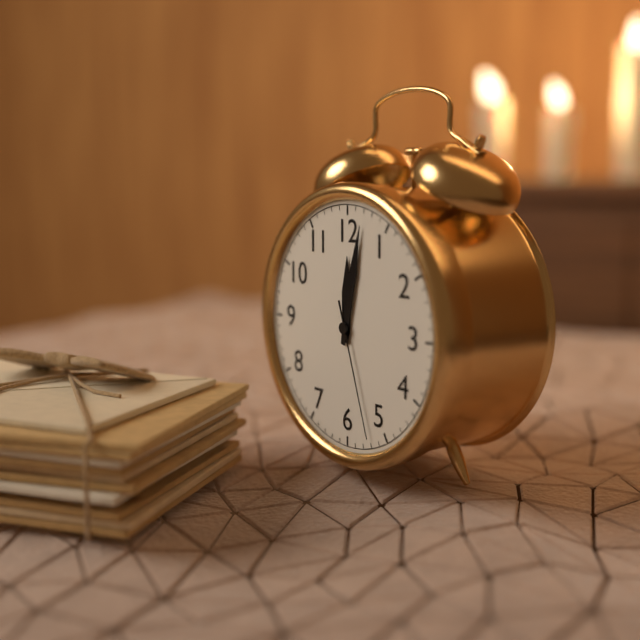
12.02.27
